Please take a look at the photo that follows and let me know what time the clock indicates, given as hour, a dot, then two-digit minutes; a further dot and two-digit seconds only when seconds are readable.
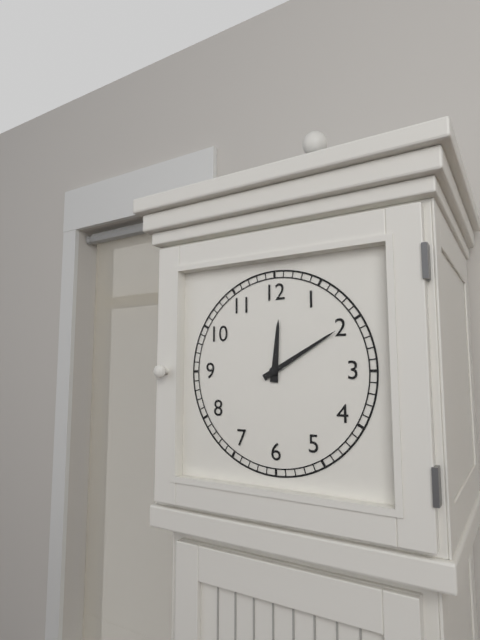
12.10
